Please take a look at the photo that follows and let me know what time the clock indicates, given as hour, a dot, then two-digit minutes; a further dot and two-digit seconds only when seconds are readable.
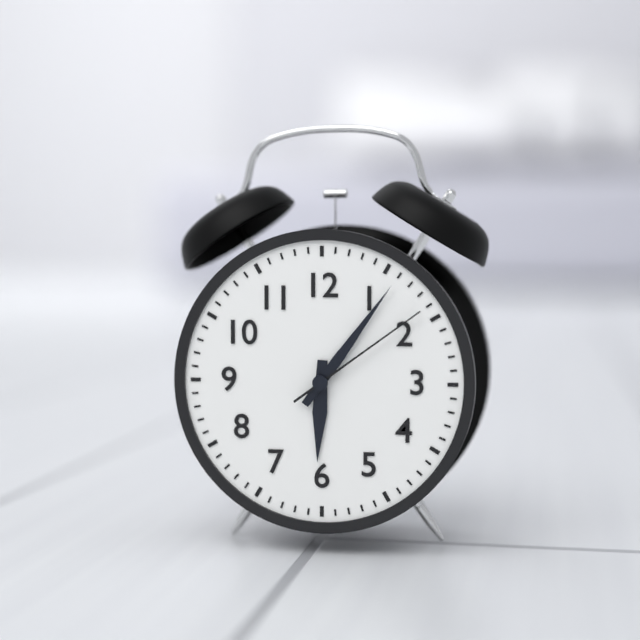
6.06.09
